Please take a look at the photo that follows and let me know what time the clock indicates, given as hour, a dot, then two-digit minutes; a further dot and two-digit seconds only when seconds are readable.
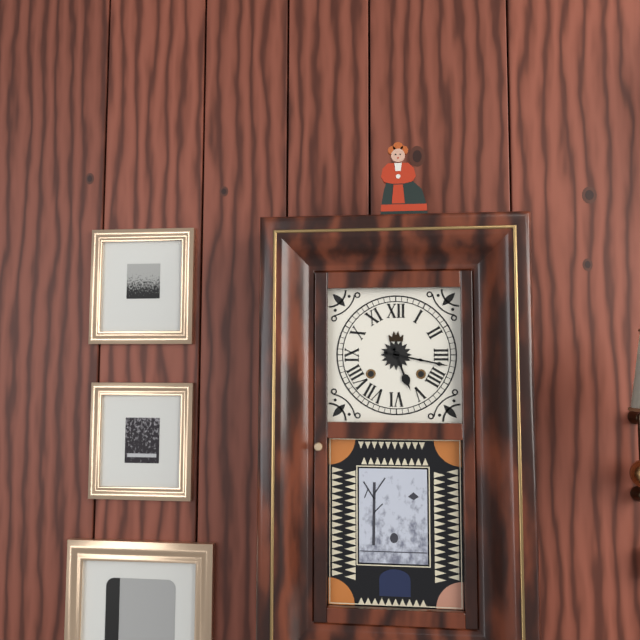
5.17
